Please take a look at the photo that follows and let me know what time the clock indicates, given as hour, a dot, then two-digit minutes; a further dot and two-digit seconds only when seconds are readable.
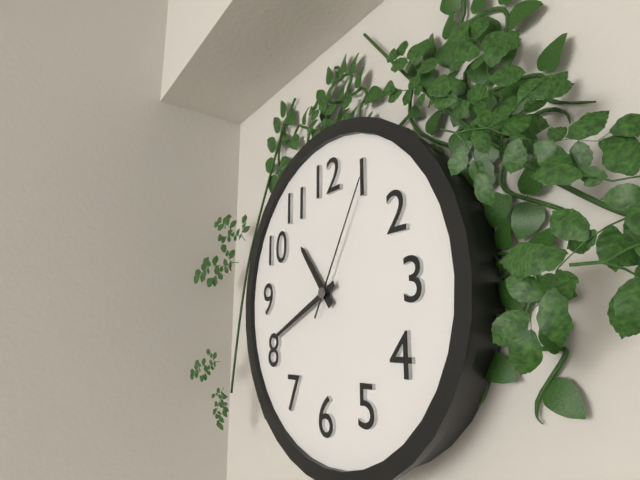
10.41.05
